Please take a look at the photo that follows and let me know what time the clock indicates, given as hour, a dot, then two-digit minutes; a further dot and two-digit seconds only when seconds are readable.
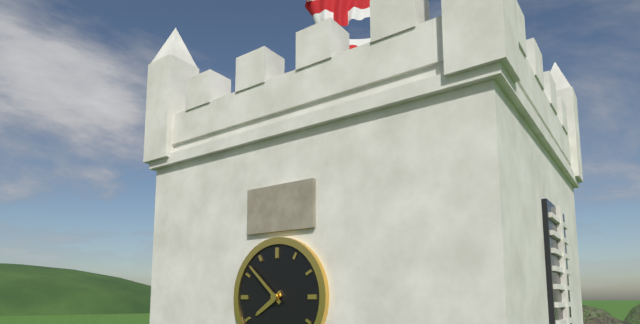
7.52
